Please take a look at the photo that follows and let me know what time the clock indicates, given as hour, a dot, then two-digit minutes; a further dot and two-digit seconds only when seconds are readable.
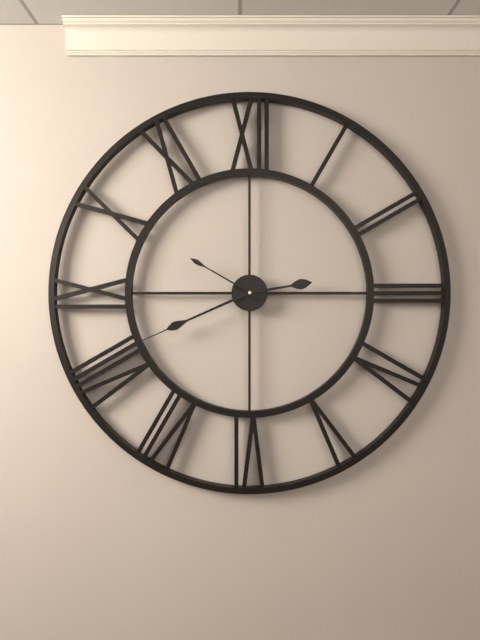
2.41.50
